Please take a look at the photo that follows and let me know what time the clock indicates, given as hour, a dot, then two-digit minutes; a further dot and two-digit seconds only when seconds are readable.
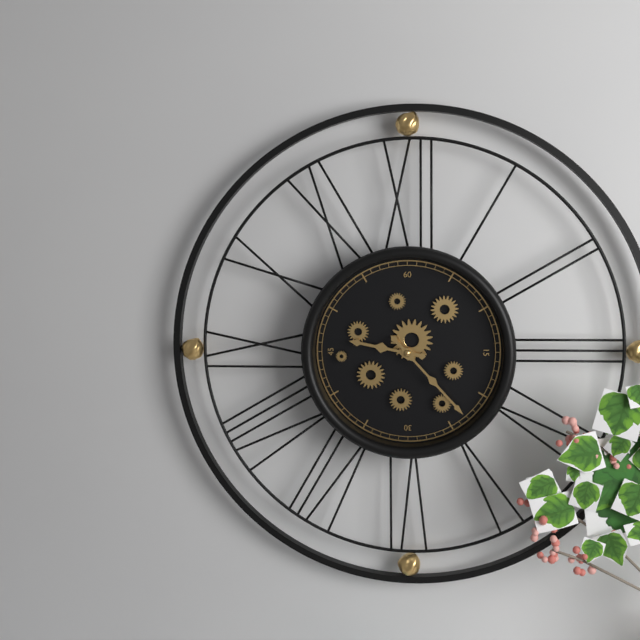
9.23
